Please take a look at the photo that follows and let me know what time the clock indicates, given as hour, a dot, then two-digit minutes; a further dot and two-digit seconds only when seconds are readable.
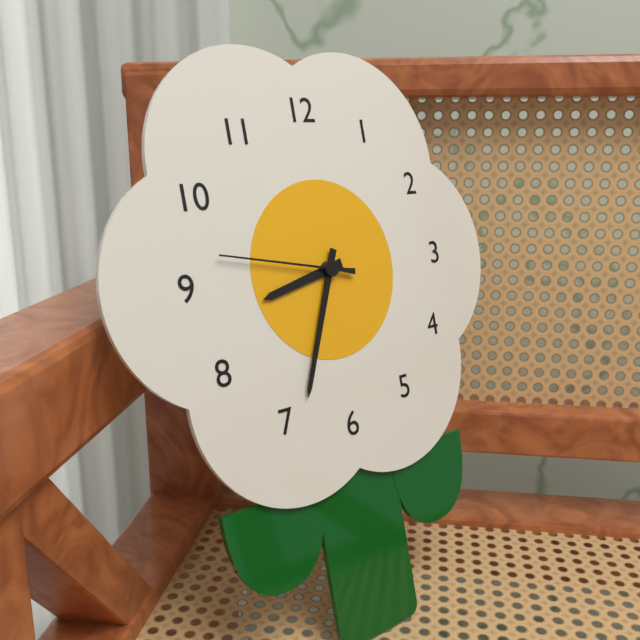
8.34.47
